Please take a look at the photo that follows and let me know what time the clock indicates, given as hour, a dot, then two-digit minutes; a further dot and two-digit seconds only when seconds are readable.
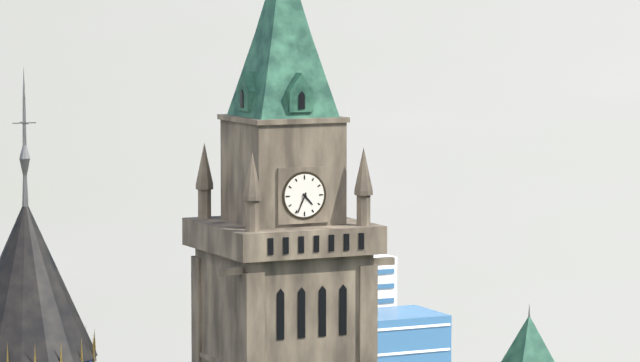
4.34
